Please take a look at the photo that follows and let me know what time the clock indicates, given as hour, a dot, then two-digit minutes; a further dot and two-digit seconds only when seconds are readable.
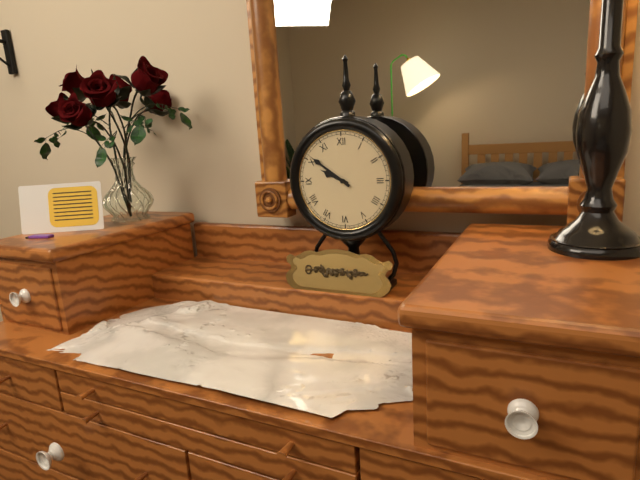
9.51
